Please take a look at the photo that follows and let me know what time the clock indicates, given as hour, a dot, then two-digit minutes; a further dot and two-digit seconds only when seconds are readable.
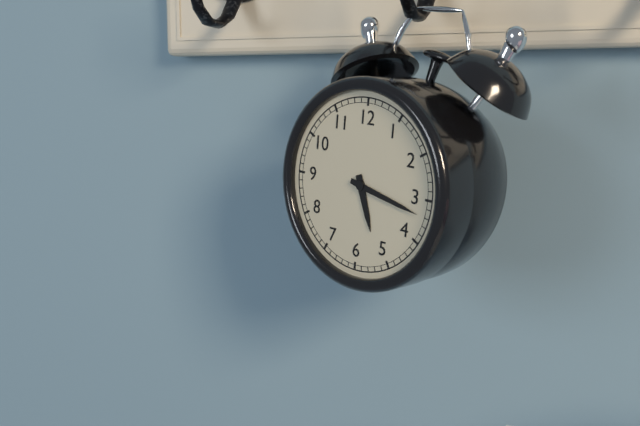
5.17
